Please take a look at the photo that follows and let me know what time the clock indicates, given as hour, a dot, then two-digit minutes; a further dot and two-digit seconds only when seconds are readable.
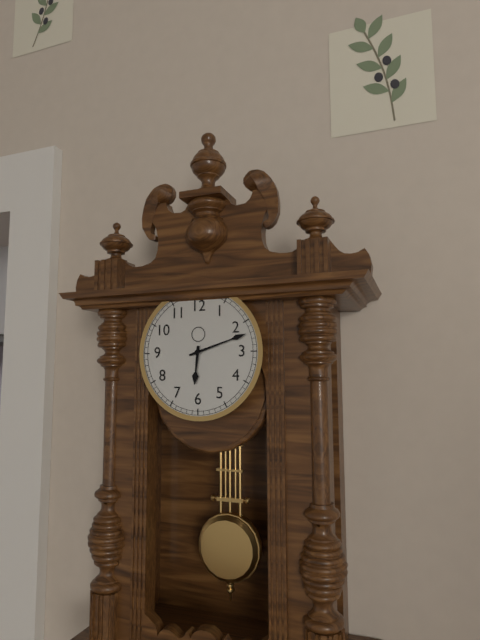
6.12
